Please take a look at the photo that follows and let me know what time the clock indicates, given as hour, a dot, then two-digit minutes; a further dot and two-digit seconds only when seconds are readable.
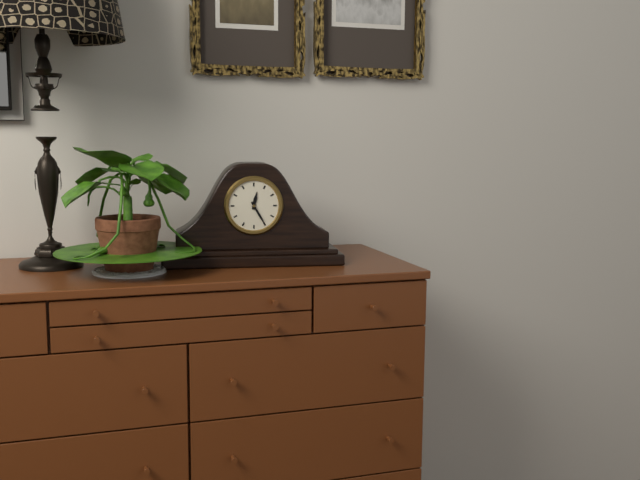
12.25
